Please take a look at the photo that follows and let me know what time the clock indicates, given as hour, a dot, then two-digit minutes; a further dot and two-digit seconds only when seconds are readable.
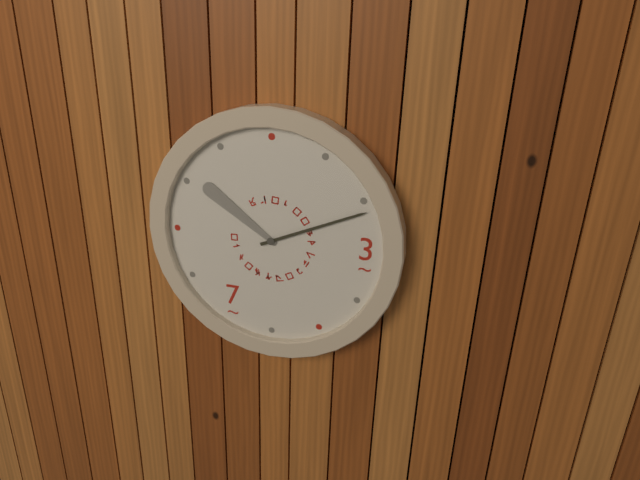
10.11
